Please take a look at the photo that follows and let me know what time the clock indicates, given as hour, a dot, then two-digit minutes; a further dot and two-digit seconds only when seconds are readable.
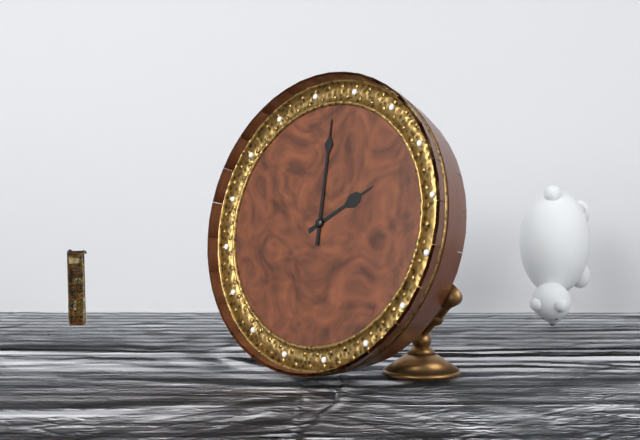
2.00
